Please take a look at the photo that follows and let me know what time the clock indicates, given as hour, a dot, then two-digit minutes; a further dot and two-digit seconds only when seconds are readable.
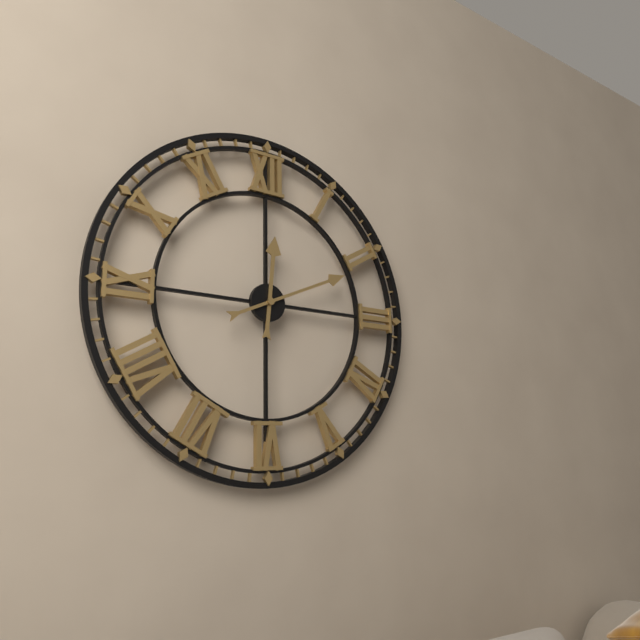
12.11
